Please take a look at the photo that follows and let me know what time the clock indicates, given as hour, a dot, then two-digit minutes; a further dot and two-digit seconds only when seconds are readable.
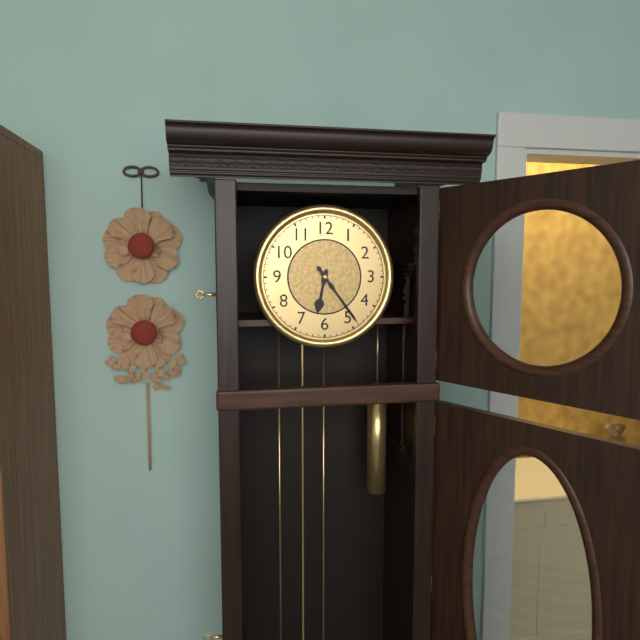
6.24
